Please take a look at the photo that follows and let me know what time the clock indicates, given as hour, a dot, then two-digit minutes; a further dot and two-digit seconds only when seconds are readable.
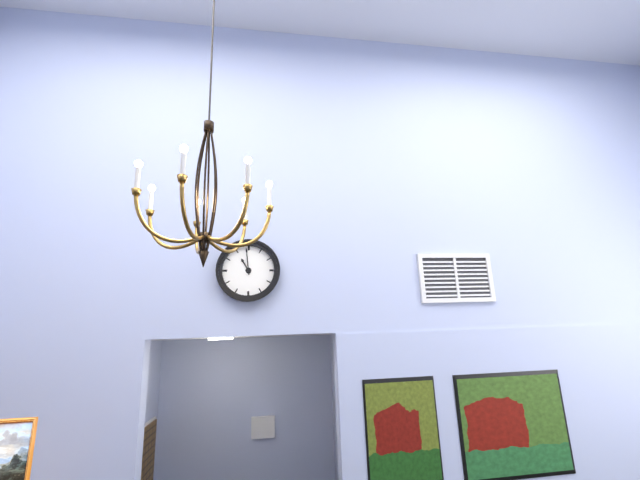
10.59
